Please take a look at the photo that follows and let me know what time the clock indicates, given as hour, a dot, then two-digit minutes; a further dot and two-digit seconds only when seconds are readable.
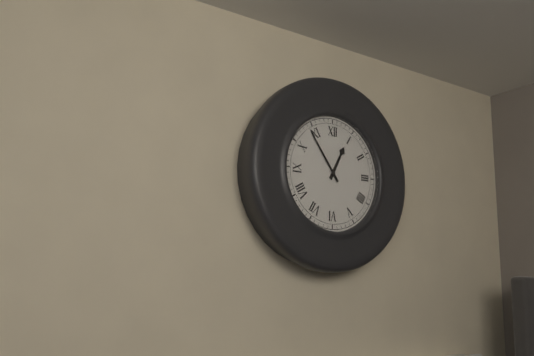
12.54
